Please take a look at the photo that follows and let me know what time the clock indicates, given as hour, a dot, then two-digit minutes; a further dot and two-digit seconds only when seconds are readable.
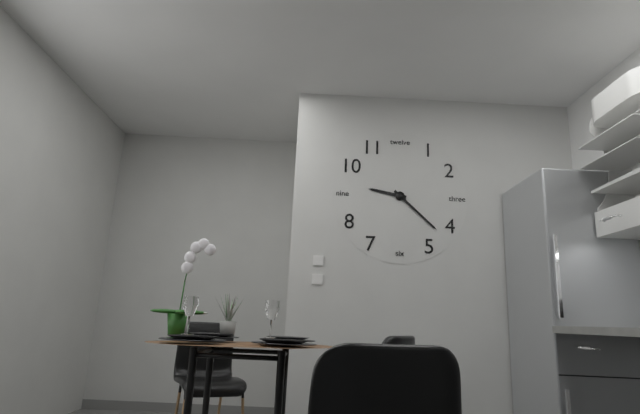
9.22
